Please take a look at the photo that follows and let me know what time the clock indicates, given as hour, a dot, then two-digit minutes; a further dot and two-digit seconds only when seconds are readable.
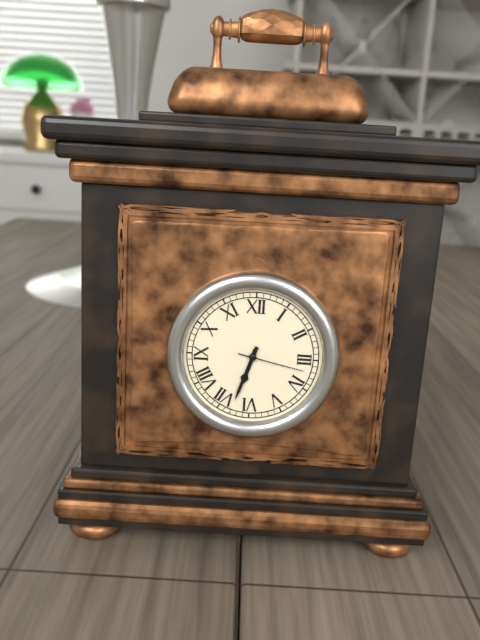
6.33.17
